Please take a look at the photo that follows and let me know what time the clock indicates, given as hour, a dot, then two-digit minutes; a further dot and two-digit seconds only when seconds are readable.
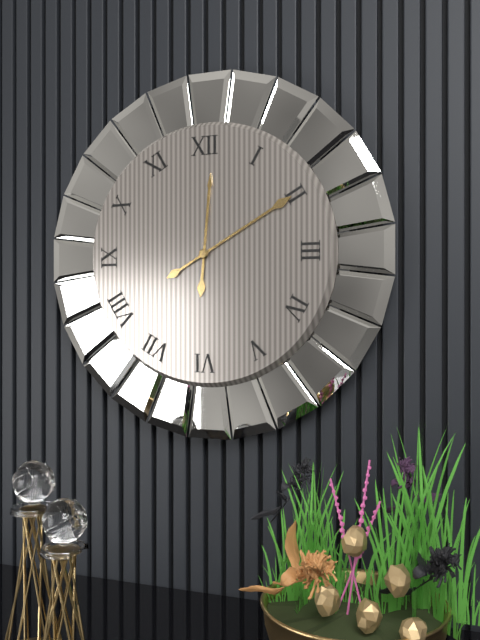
12.10
